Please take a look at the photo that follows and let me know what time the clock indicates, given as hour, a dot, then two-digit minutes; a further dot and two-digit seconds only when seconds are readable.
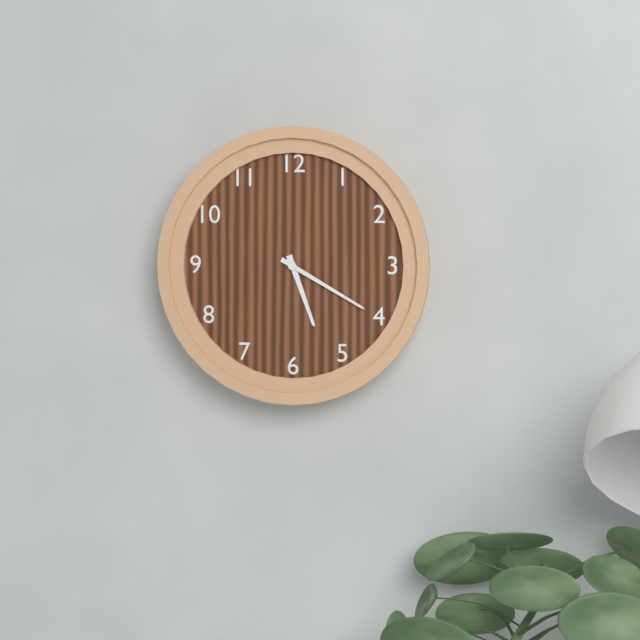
5.20
